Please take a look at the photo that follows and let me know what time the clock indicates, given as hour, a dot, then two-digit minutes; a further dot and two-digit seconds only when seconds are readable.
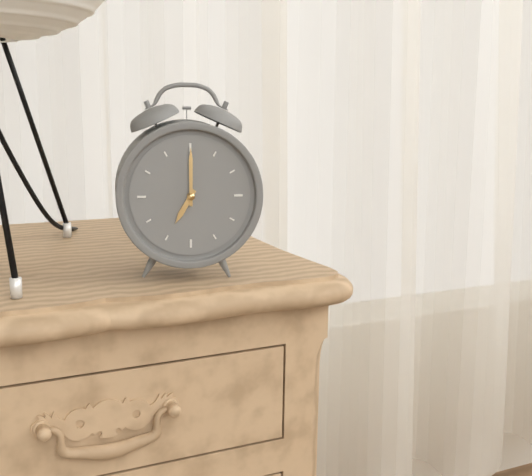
7.00
